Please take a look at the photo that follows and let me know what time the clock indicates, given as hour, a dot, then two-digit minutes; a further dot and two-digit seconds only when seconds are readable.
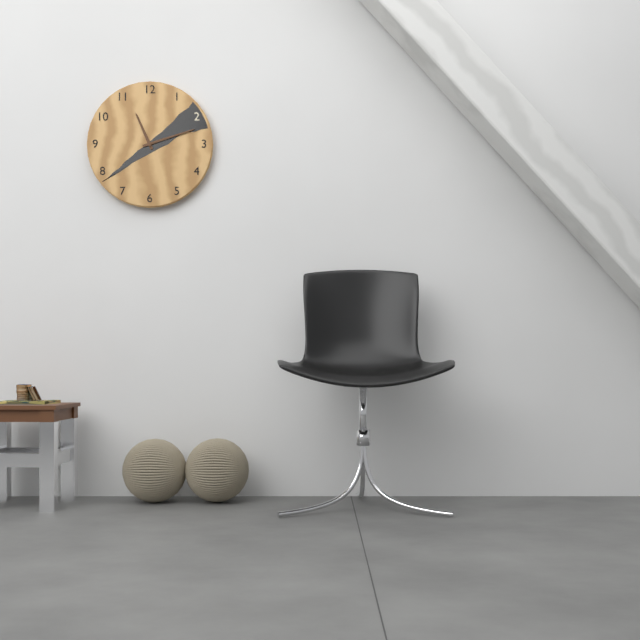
11.12
